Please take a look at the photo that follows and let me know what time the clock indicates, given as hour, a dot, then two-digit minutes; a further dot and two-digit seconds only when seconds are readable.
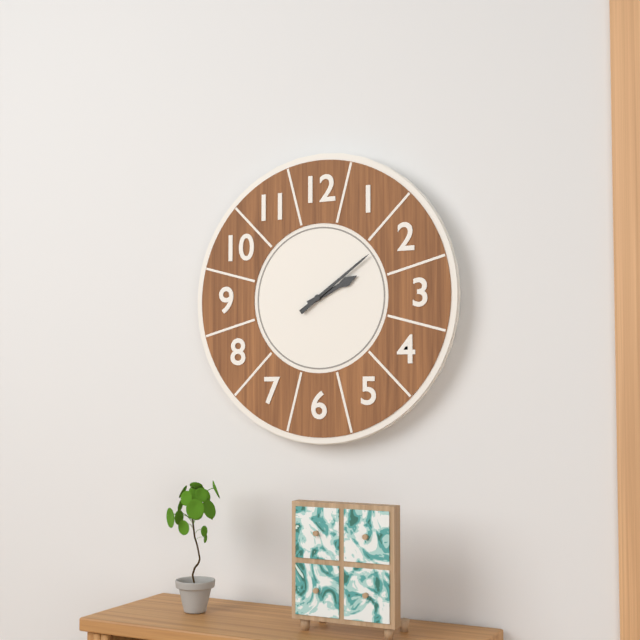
2.09
